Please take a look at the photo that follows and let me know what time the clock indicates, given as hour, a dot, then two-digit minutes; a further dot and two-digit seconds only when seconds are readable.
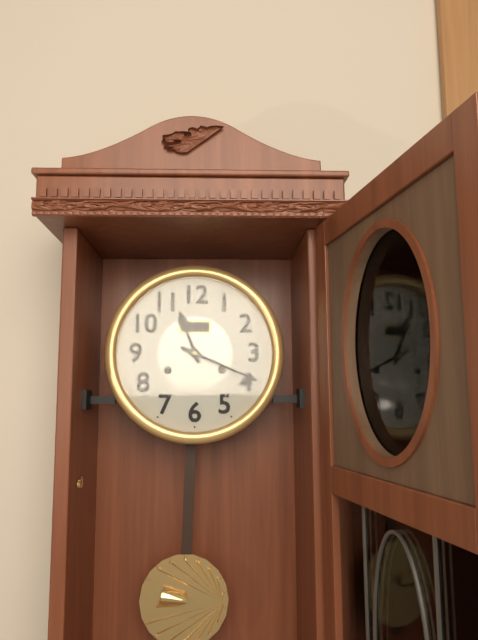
11.19
